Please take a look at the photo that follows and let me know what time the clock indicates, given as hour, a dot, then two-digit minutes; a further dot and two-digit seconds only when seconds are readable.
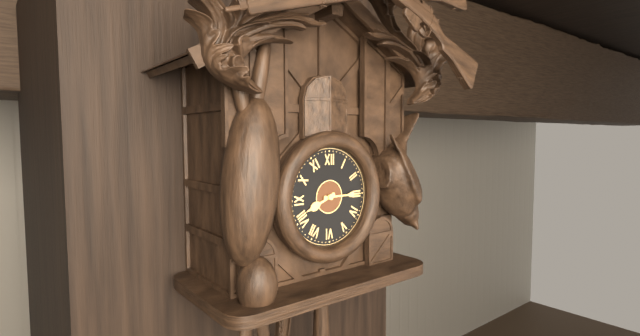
8.15
